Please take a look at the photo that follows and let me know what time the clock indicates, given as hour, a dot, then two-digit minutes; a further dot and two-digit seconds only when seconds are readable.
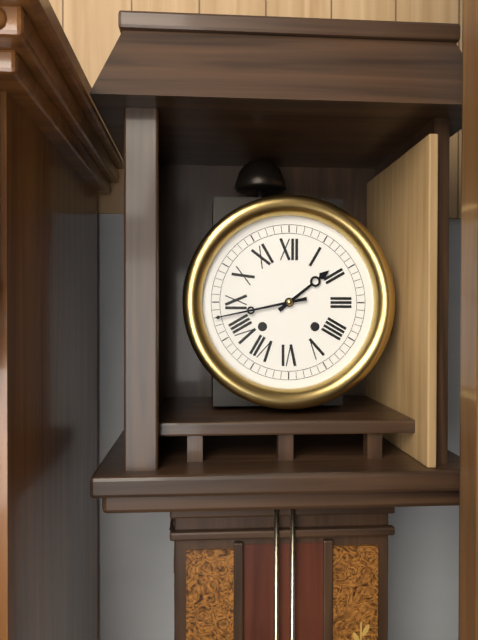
1.43
